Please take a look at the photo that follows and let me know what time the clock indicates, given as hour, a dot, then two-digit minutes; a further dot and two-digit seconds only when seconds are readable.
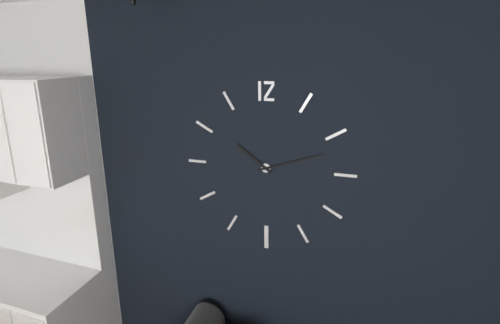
10.12
